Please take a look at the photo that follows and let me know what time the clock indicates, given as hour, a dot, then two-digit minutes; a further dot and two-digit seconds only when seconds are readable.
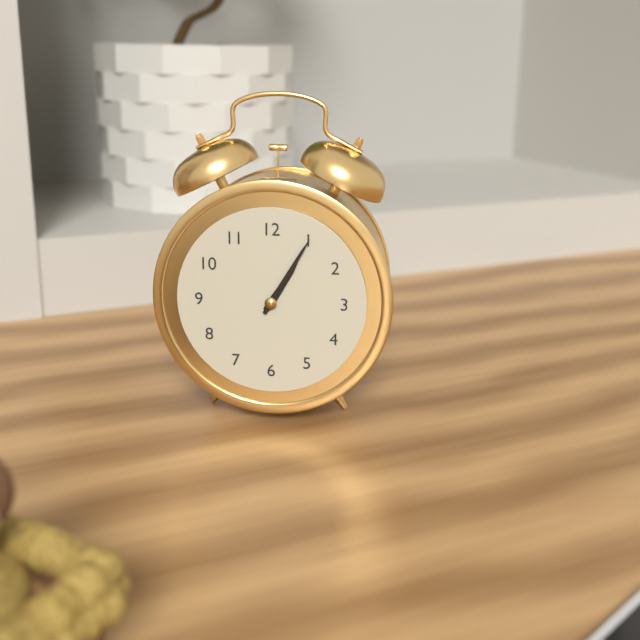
1.05
